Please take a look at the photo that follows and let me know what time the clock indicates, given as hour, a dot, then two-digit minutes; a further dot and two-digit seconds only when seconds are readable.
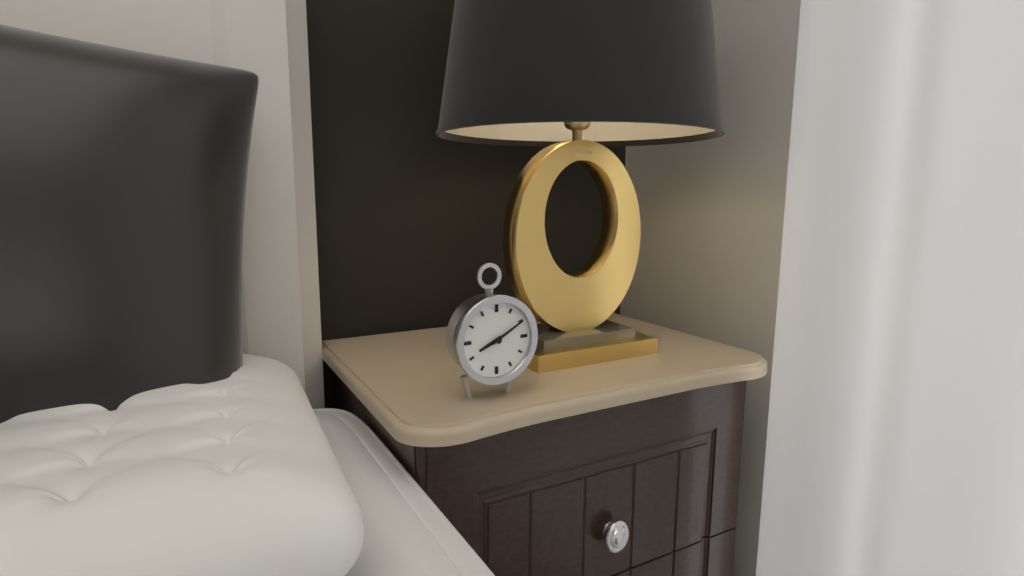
8.10
